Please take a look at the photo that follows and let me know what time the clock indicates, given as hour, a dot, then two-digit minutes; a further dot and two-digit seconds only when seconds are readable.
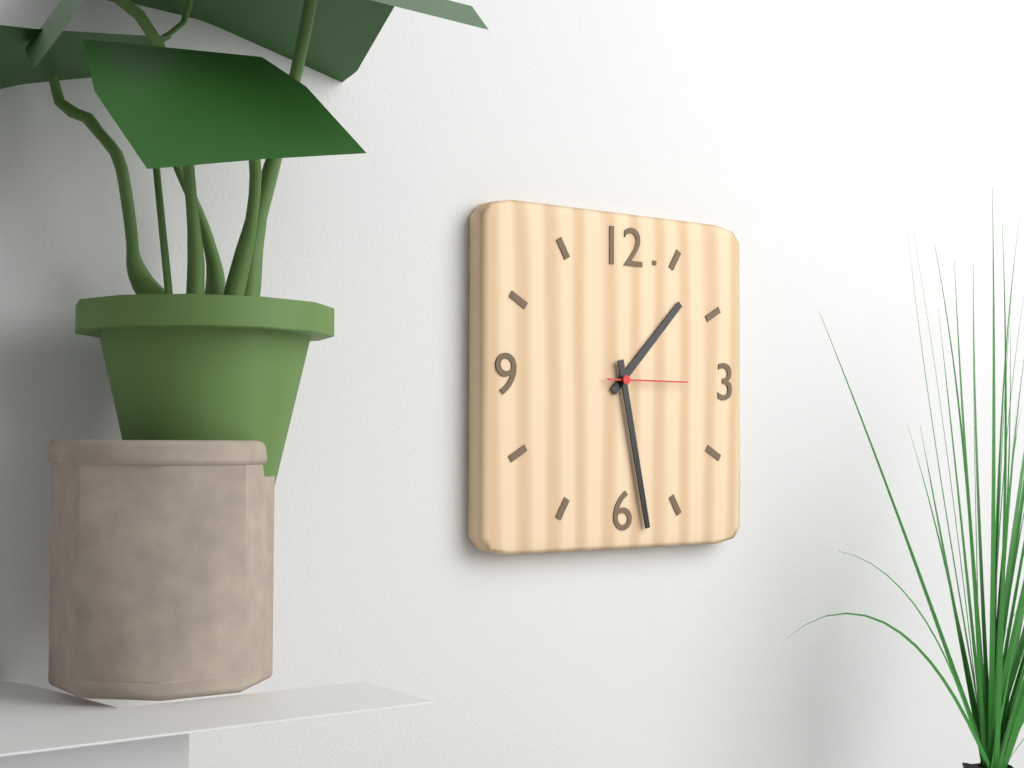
1.28.15
